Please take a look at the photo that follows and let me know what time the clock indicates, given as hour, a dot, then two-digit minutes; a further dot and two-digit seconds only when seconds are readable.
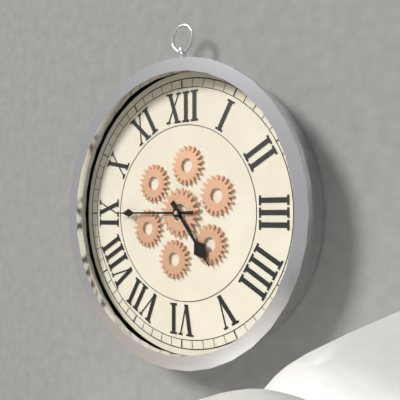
4.45
